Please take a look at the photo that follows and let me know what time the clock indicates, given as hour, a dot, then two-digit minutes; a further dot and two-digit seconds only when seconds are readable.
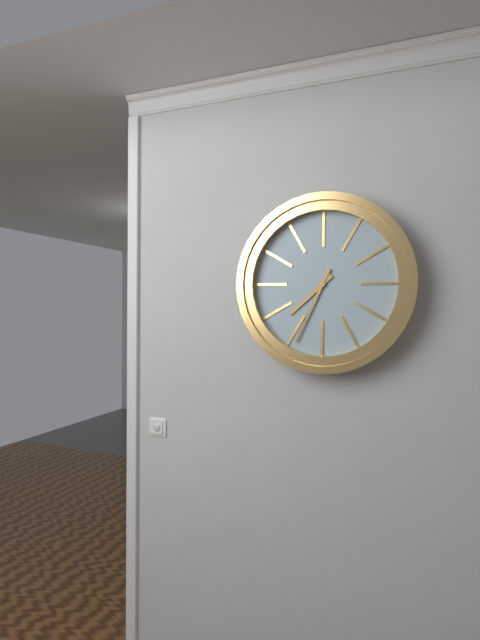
7.34
